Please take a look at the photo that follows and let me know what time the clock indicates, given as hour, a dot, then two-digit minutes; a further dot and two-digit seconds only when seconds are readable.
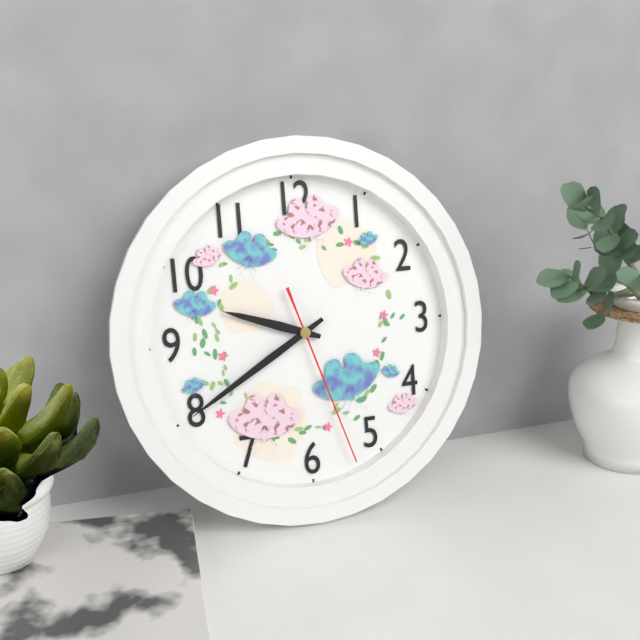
9.40.27
